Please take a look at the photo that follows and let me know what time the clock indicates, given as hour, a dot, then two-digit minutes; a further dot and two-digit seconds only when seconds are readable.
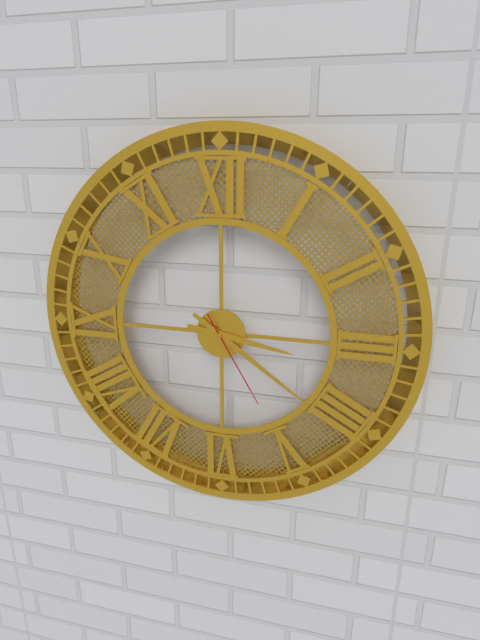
3.21.25
